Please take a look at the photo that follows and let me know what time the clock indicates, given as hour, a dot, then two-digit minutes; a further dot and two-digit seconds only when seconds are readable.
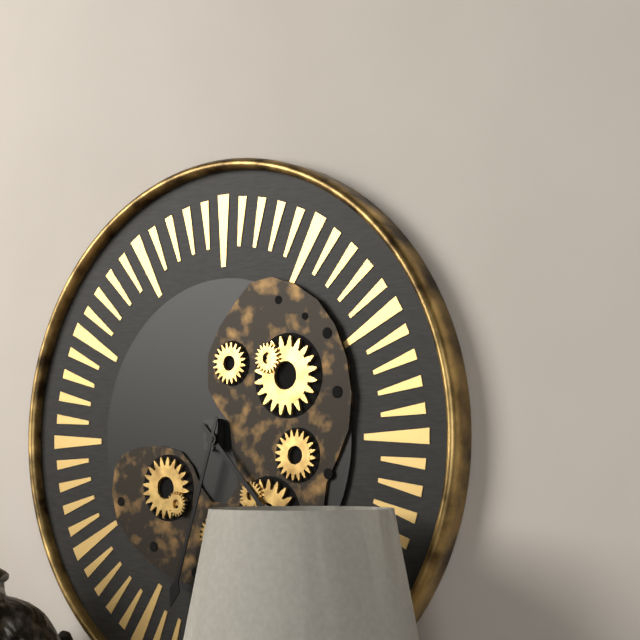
4.33
